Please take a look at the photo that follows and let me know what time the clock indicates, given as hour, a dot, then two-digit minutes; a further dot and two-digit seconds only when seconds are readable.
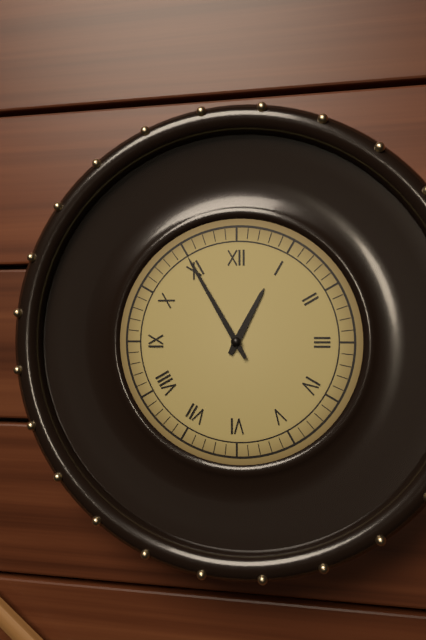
12.55
